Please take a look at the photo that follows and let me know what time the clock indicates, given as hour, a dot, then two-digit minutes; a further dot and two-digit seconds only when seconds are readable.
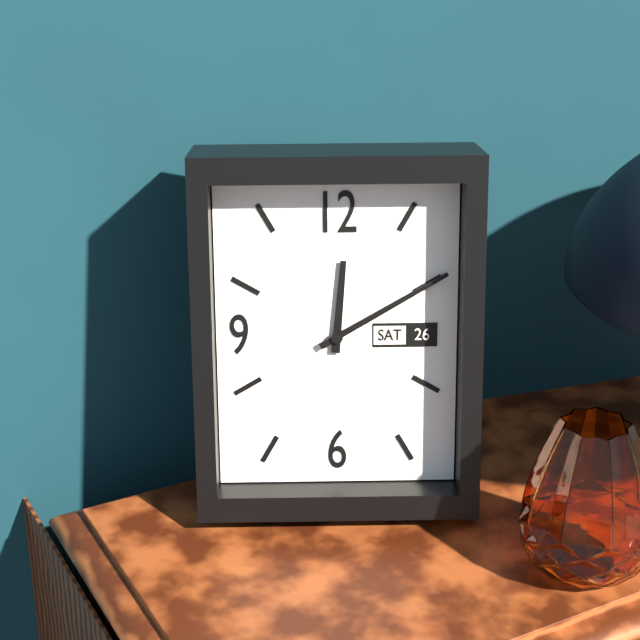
12.10
